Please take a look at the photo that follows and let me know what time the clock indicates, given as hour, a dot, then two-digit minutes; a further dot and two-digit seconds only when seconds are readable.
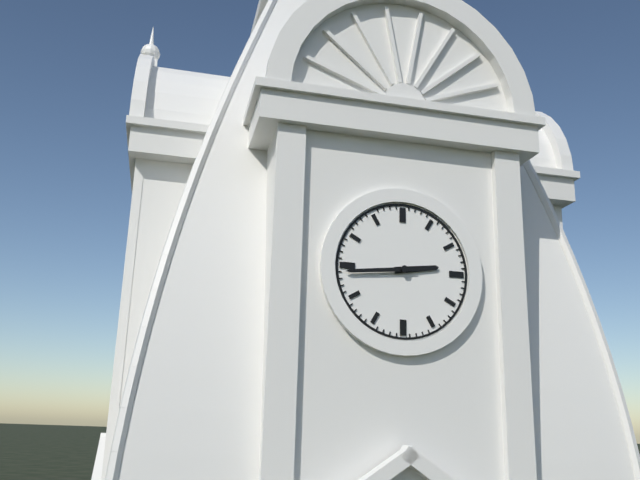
2.44
